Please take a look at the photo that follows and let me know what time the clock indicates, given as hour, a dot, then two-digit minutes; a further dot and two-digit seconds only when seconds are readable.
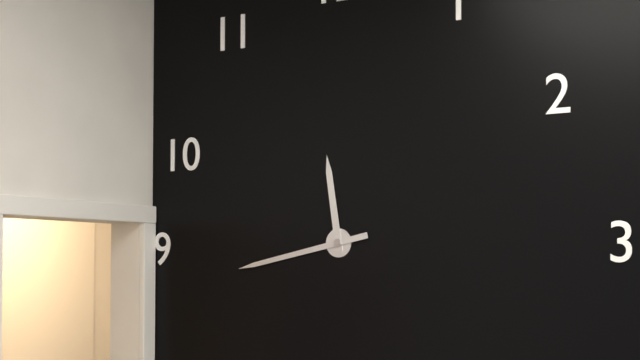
11.43
